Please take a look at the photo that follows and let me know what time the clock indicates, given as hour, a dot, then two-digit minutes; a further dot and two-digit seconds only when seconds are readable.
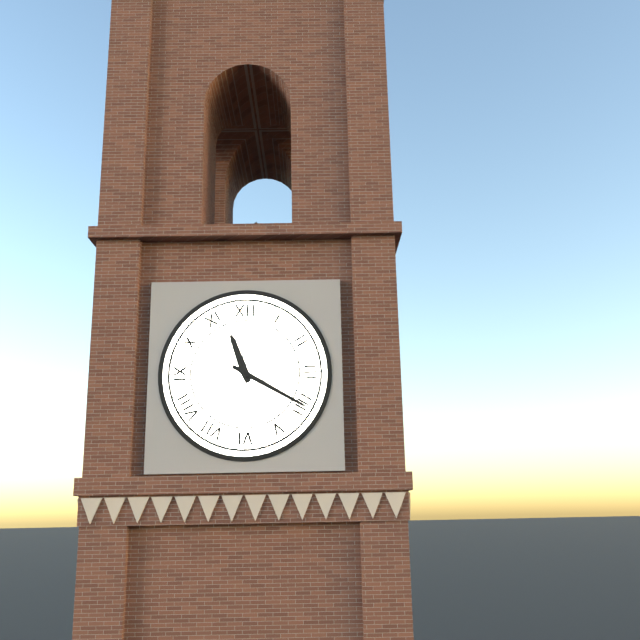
11.20
